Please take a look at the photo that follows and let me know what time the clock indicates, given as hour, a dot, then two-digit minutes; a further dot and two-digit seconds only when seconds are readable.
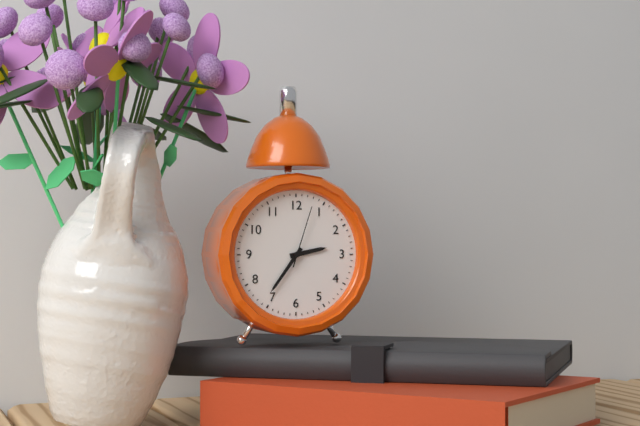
2.36.03
